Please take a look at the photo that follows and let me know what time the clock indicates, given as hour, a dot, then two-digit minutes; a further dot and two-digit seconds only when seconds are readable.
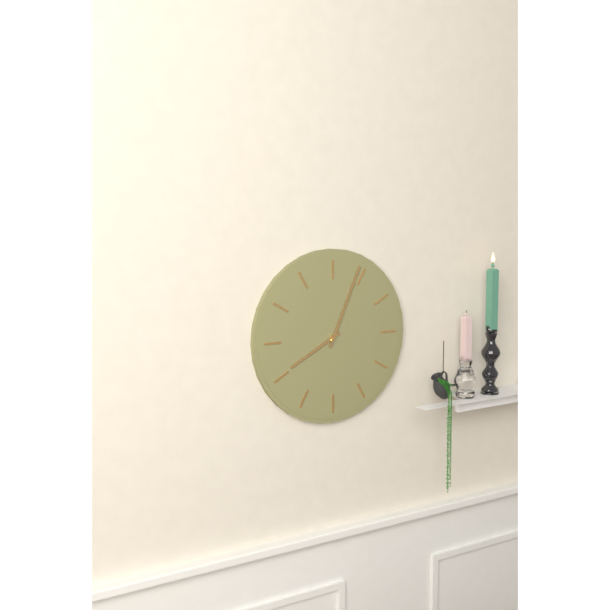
8.04
